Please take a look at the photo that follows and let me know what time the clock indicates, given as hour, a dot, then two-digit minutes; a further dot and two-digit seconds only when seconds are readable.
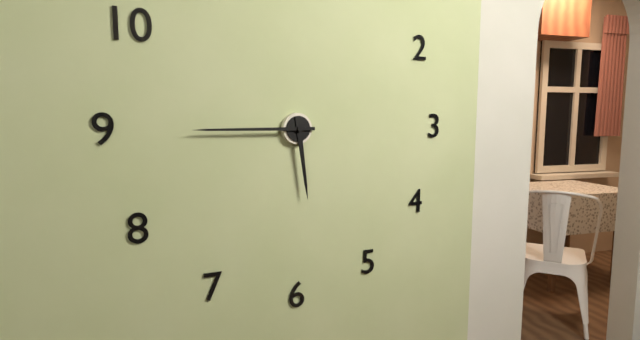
5.45
